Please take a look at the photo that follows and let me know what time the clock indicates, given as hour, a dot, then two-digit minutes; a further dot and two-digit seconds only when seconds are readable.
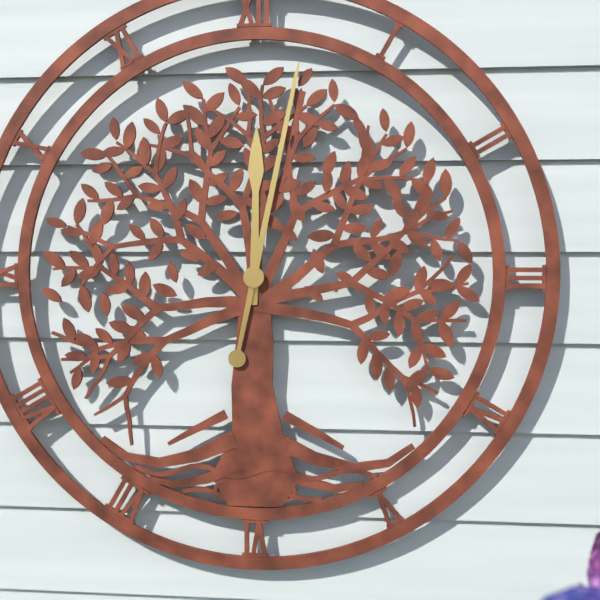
12.02
